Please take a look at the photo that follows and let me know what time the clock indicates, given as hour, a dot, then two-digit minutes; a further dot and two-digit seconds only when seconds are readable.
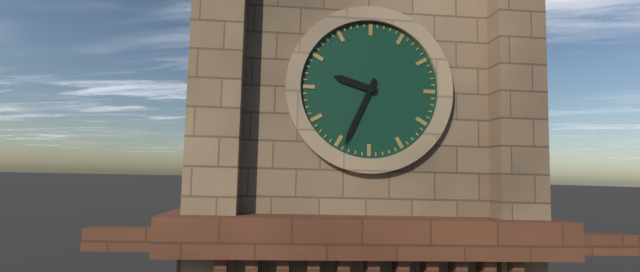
9.34
